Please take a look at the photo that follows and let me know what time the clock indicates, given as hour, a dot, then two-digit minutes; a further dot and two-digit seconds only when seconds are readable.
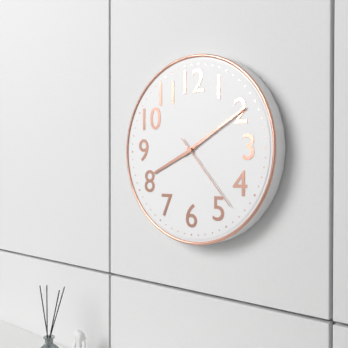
8.10.23
